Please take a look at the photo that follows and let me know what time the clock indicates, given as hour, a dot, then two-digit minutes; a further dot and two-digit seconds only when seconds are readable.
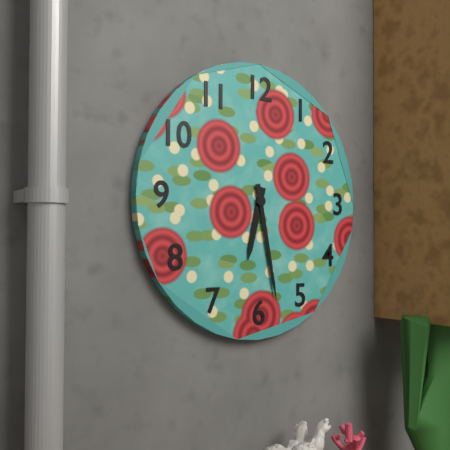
6.28
